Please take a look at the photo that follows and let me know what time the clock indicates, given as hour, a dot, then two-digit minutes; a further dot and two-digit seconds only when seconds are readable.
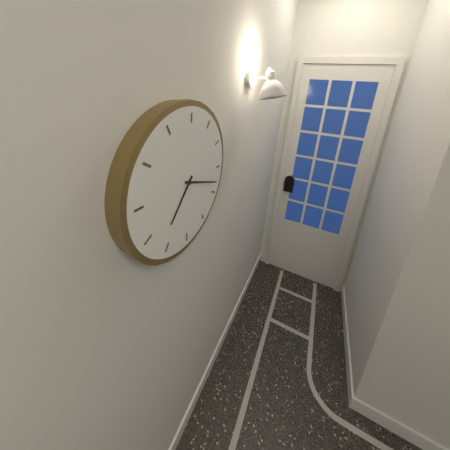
7.18
